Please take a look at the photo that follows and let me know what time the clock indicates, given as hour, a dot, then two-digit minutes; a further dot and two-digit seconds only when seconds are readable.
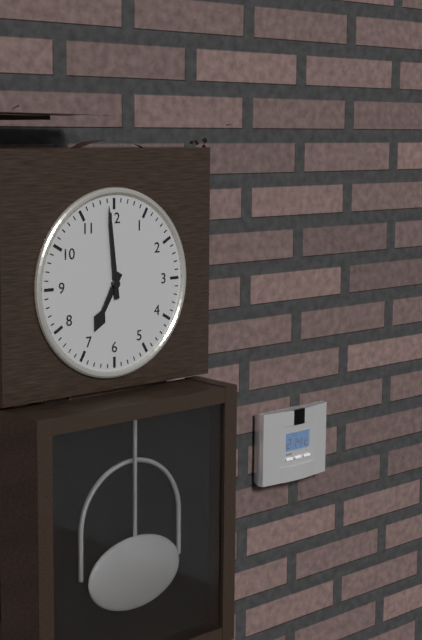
6.59
